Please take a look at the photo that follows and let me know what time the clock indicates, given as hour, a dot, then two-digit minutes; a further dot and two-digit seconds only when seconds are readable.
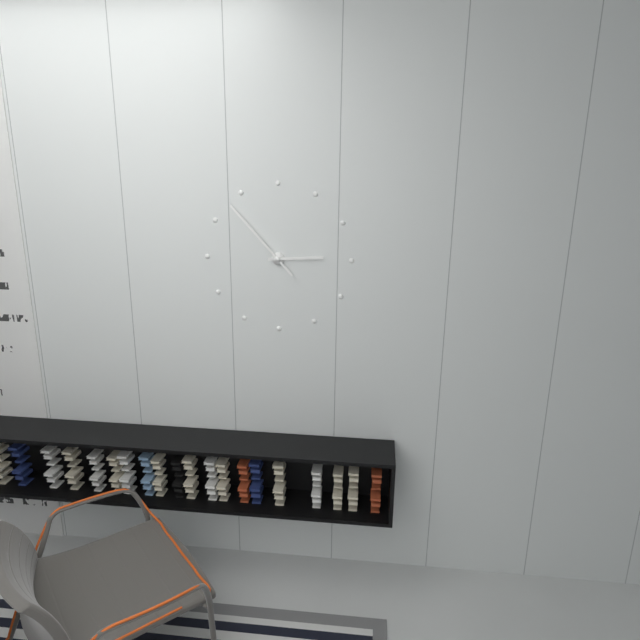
2.53
